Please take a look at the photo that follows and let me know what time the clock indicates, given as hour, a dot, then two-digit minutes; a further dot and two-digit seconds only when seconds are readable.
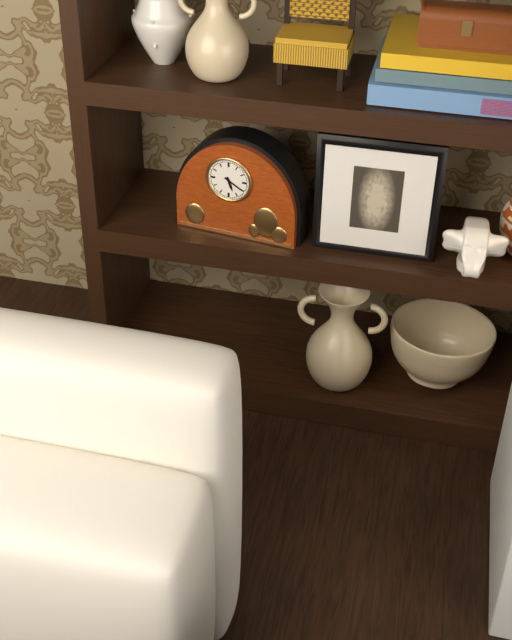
5.20
